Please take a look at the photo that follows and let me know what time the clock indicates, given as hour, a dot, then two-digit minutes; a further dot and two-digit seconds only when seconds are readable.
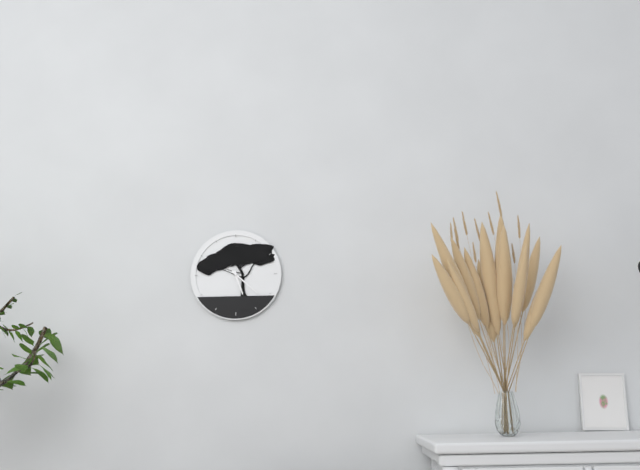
5.22
